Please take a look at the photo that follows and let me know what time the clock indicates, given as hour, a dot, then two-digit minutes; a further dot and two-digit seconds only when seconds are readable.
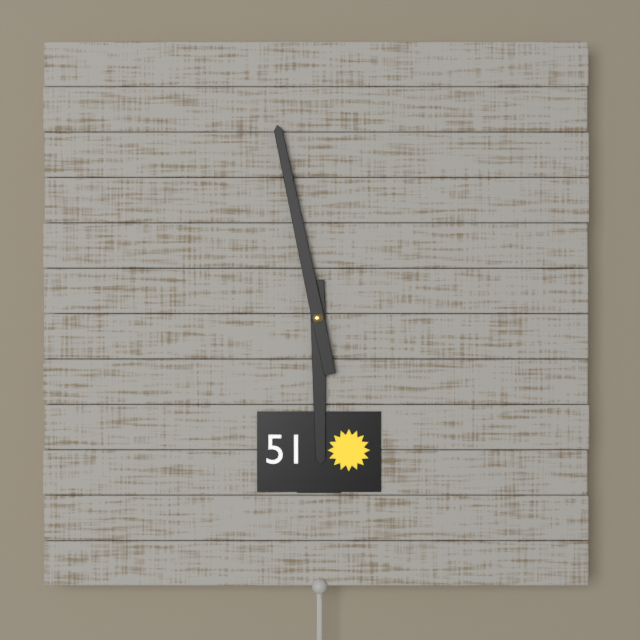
5.58
